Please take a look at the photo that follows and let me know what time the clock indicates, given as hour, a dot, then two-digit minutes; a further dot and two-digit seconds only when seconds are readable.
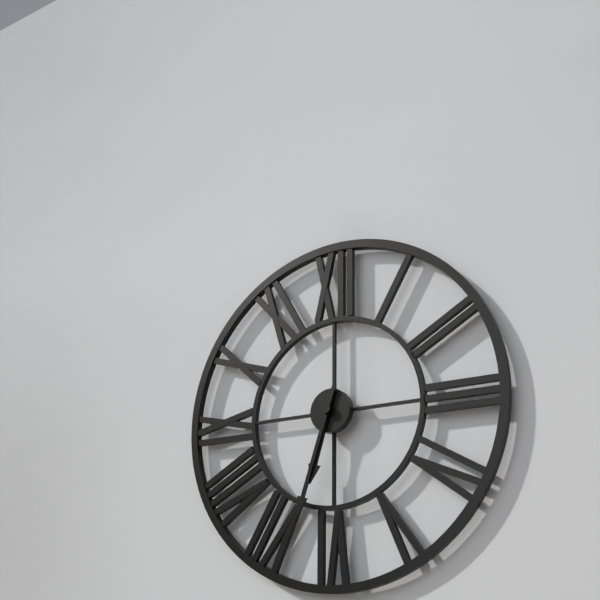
6.33
